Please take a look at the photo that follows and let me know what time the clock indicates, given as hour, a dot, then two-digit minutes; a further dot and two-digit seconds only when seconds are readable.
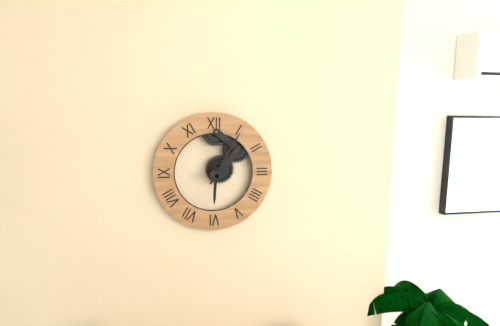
6.05
